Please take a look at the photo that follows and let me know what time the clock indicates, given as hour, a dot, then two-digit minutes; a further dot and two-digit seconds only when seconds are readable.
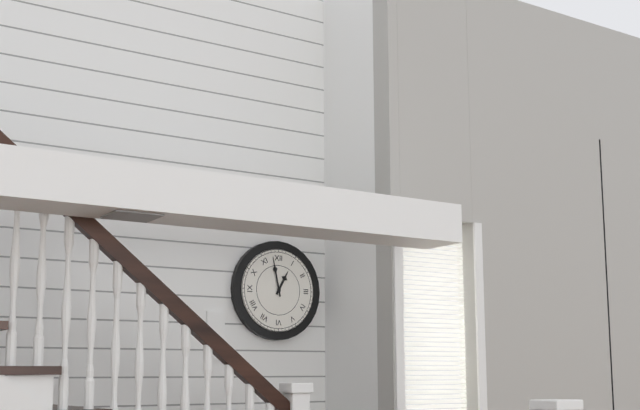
12.58
